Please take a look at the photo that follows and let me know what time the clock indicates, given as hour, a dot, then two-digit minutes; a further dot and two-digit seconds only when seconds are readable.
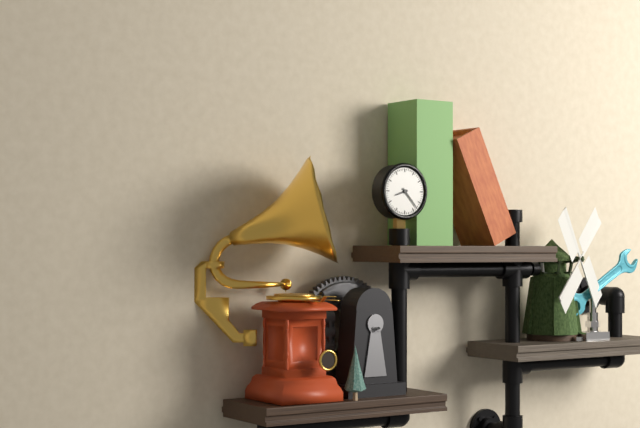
8.23
